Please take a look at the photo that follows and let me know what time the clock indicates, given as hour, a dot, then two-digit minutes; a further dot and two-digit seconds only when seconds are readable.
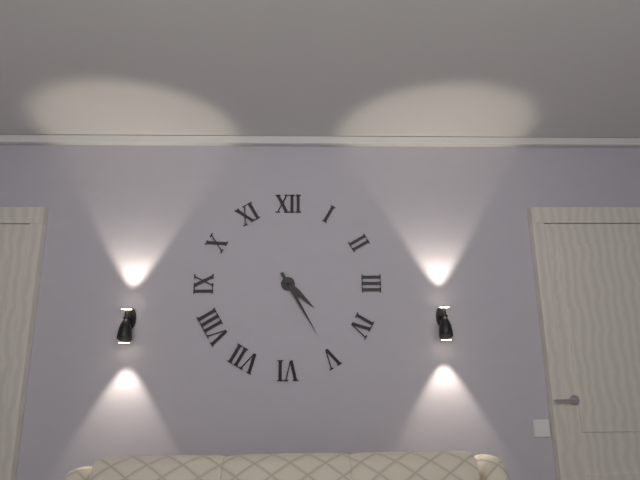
4.25
